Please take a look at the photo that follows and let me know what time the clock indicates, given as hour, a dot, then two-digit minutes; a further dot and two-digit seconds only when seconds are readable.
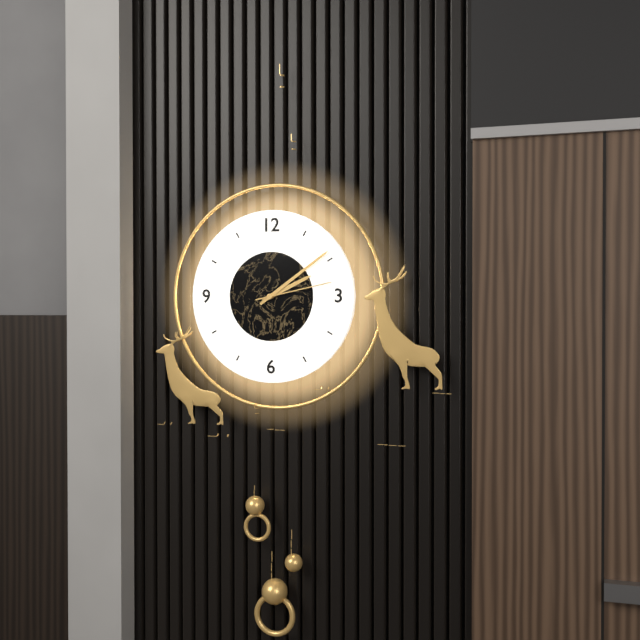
2.09.13
